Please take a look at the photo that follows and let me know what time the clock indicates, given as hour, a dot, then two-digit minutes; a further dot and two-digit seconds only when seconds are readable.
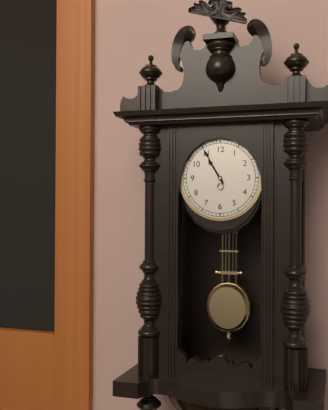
10.55
